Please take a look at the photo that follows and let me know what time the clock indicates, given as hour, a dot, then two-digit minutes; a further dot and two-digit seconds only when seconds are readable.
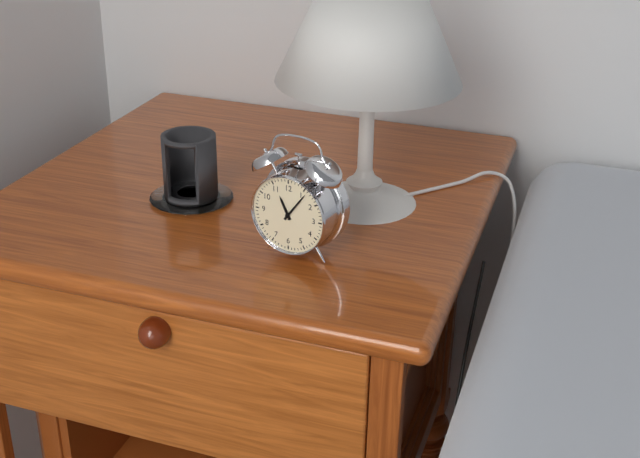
11.06
